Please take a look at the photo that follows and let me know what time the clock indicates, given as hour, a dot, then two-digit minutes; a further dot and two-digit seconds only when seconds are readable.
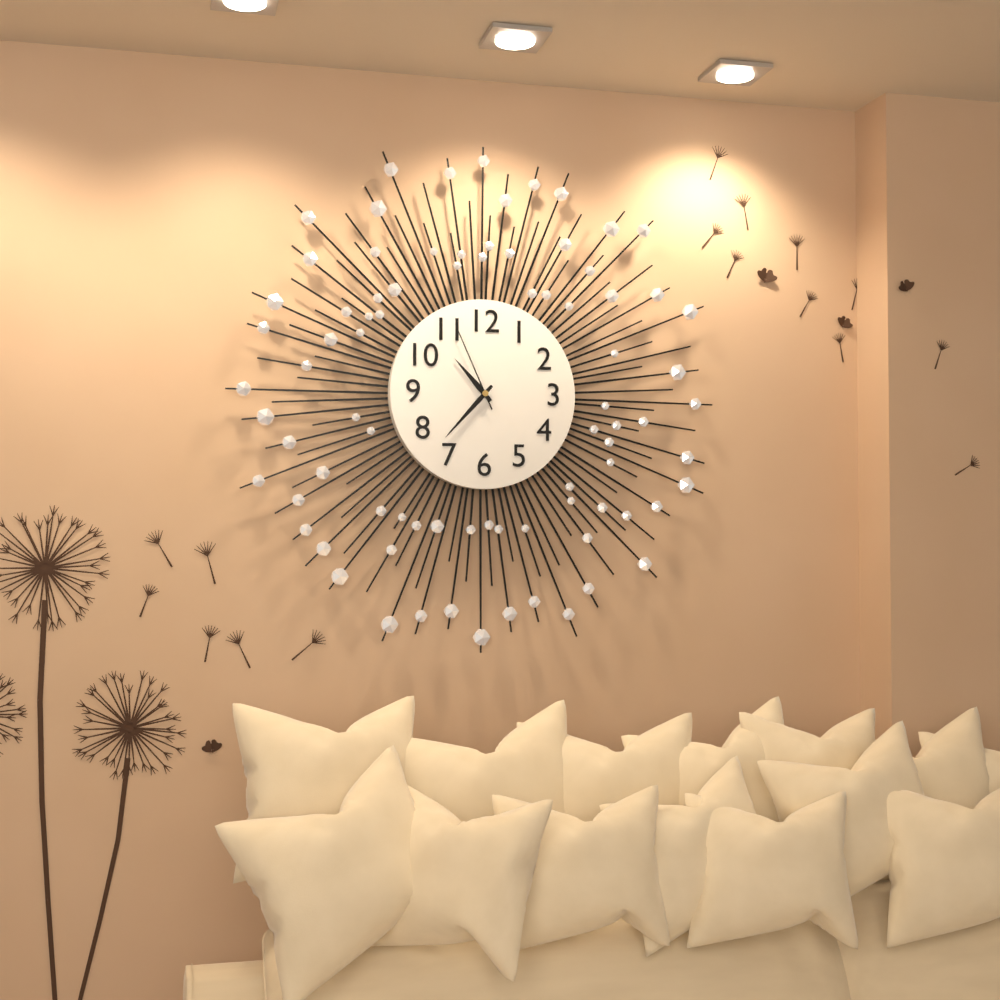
10.37.56
